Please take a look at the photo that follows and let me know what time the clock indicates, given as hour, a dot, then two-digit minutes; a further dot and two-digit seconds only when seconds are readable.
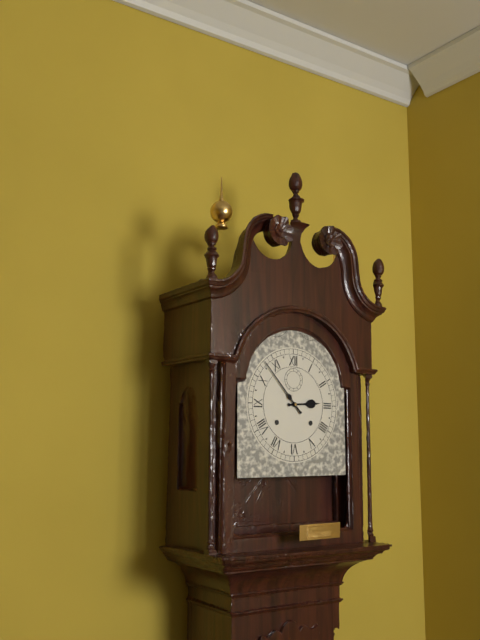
2.53
